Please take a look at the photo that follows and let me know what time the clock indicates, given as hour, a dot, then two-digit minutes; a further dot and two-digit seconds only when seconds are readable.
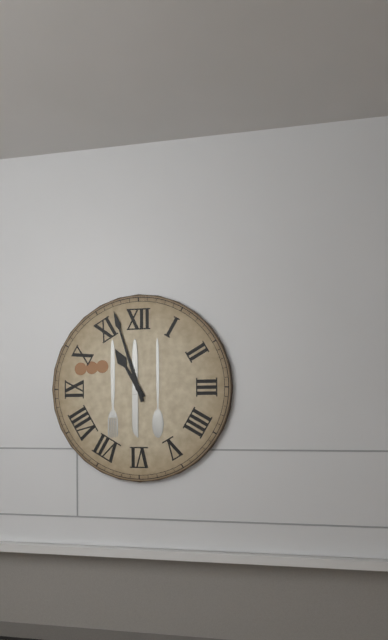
10.57
